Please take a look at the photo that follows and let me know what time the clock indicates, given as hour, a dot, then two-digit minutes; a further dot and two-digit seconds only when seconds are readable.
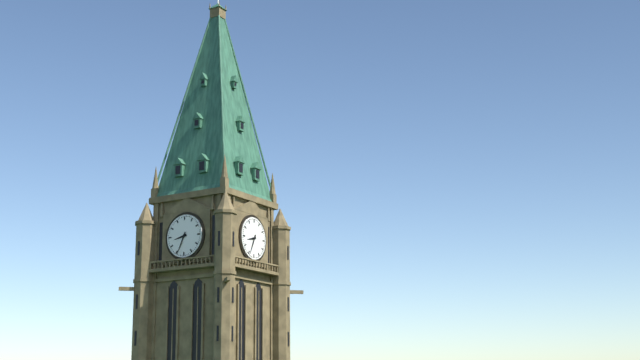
8.34
